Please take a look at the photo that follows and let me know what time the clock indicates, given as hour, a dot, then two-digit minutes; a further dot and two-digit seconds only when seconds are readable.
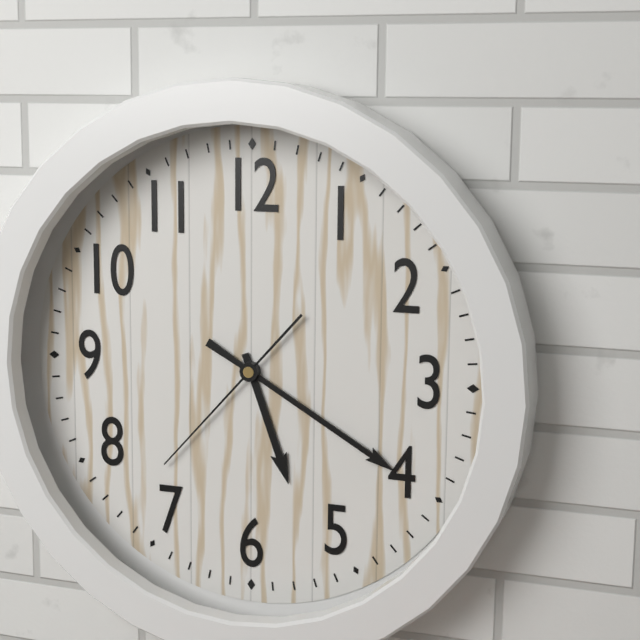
5.20.37
